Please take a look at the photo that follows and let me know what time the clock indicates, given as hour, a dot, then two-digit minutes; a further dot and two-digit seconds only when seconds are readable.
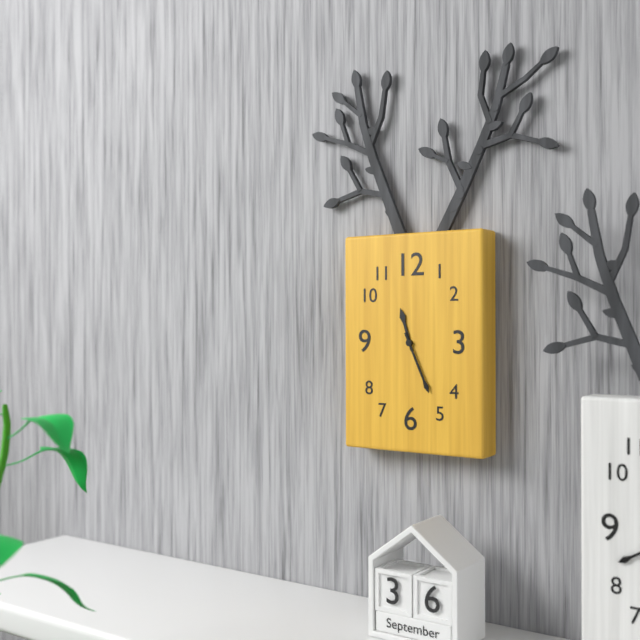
11.26
